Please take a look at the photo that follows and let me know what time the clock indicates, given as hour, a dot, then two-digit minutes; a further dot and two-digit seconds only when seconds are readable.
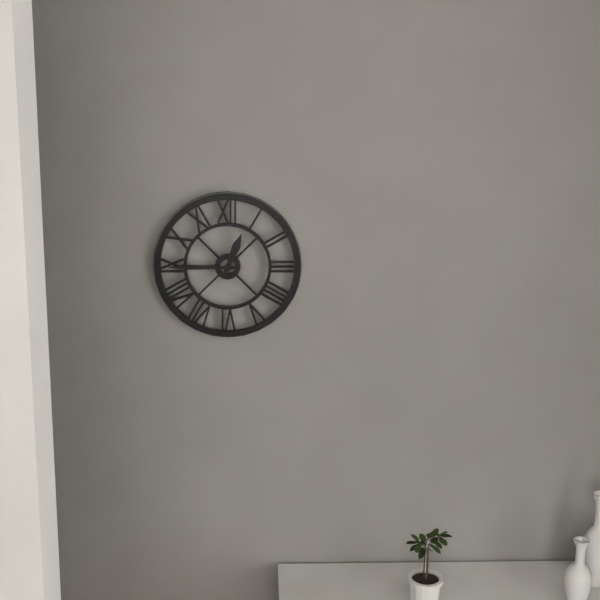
12.45
